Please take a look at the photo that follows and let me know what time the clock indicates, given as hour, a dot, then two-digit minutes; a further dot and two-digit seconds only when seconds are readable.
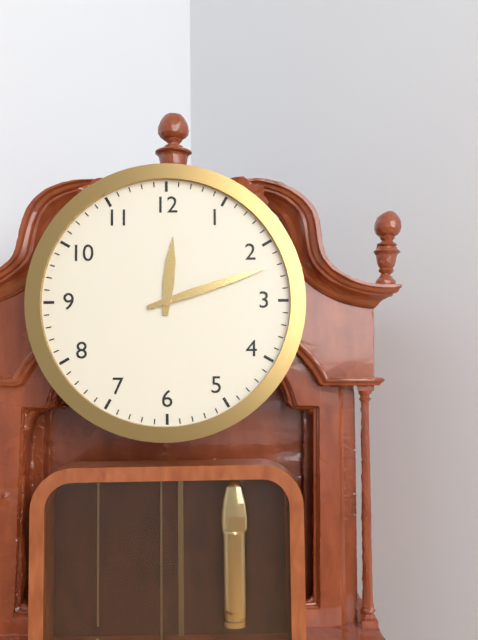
12.12
